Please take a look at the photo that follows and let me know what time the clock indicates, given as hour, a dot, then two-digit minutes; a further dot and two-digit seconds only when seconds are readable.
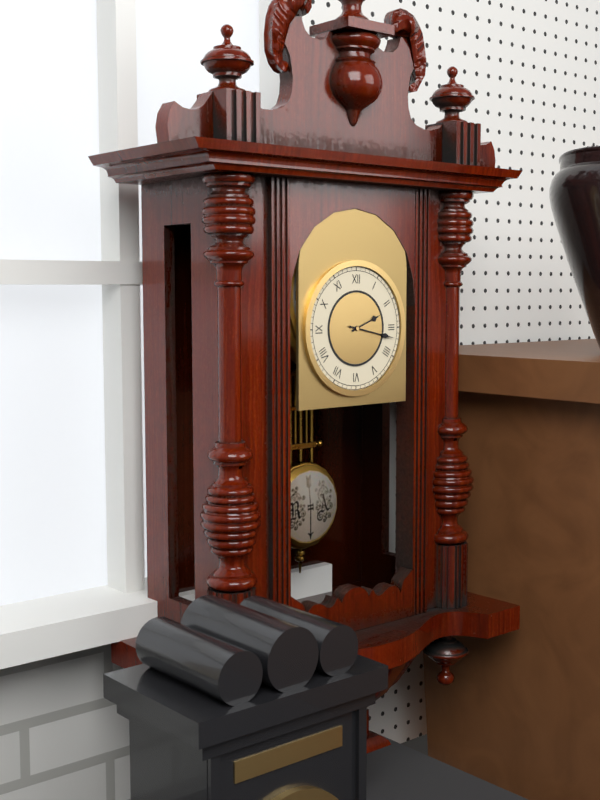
2.17
